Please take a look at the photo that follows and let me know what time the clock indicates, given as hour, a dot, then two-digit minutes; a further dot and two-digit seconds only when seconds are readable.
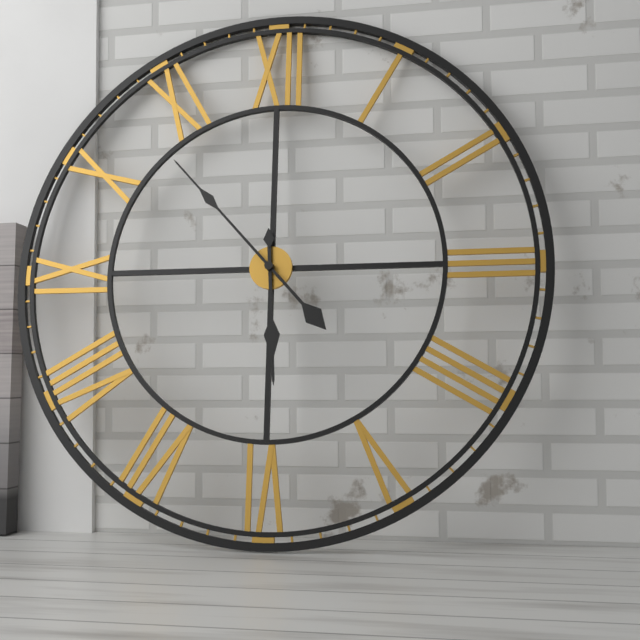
5.53
